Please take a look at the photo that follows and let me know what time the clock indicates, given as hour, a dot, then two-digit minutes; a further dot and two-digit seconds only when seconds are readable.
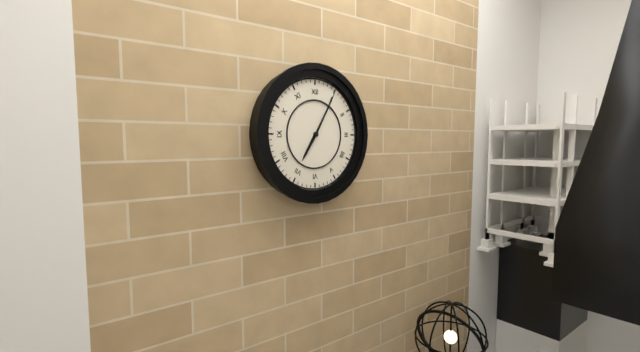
7.05
